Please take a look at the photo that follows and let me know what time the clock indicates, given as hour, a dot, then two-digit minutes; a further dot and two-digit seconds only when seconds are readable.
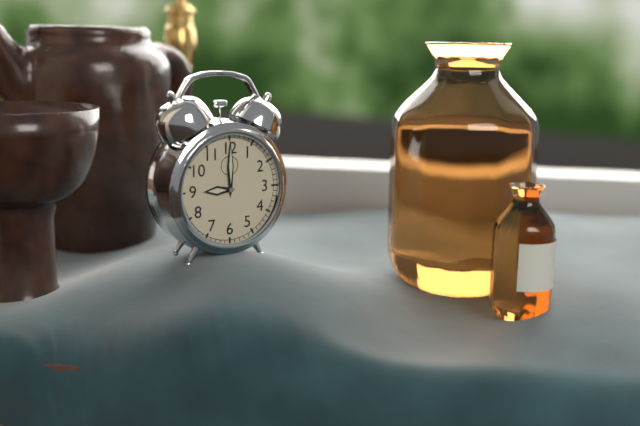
9.00
